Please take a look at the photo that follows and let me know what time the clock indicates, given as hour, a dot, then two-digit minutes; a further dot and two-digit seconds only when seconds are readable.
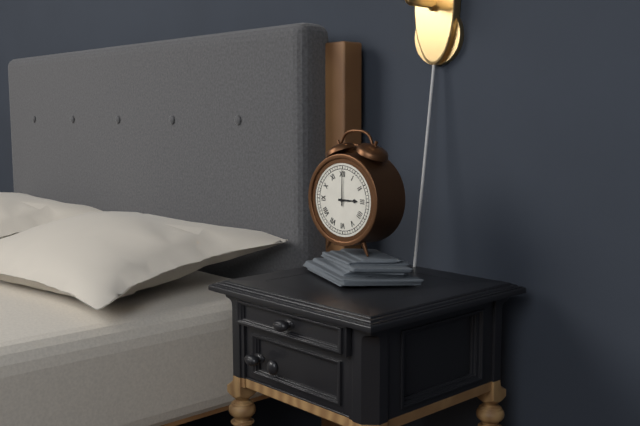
3.00
